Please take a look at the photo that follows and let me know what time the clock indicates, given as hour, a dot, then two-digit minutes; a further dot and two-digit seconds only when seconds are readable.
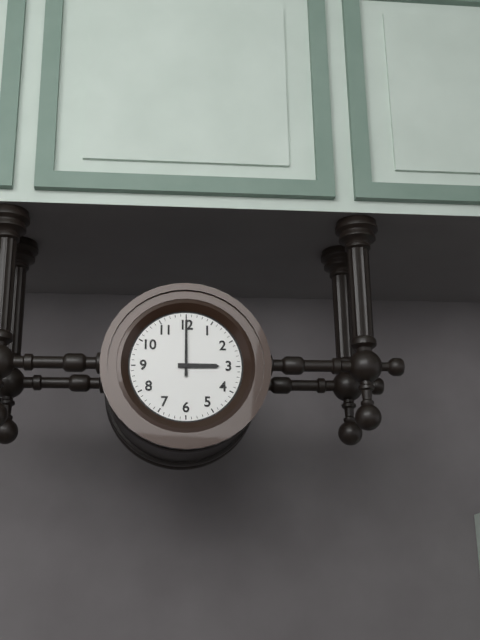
3.00
